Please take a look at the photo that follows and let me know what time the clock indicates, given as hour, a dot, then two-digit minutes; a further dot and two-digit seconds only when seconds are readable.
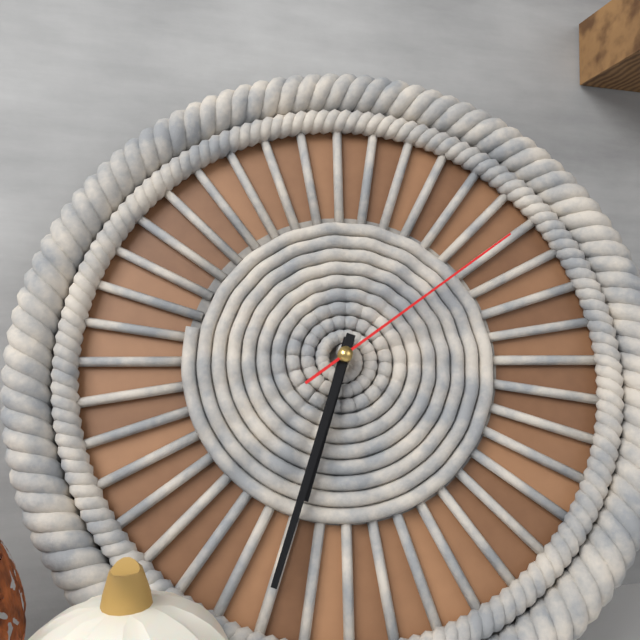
6.33.09
